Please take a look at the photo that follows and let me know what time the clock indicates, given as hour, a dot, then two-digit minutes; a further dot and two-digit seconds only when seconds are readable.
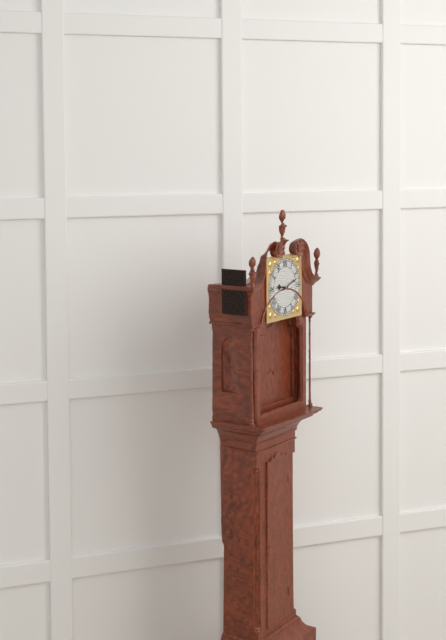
9.12
